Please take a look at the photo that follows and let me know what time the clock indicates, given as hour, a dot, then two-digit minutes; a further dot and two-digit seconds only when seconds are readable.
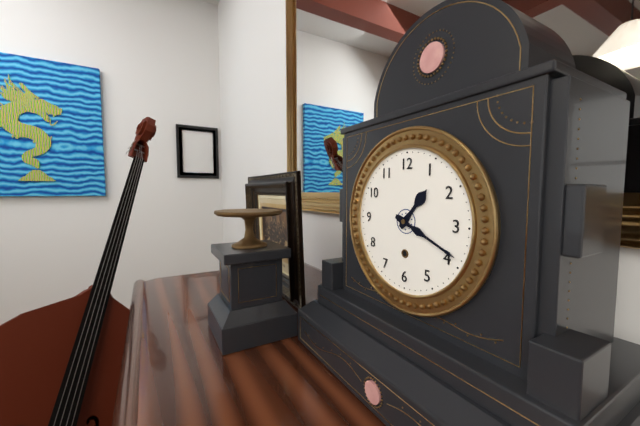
1.19
